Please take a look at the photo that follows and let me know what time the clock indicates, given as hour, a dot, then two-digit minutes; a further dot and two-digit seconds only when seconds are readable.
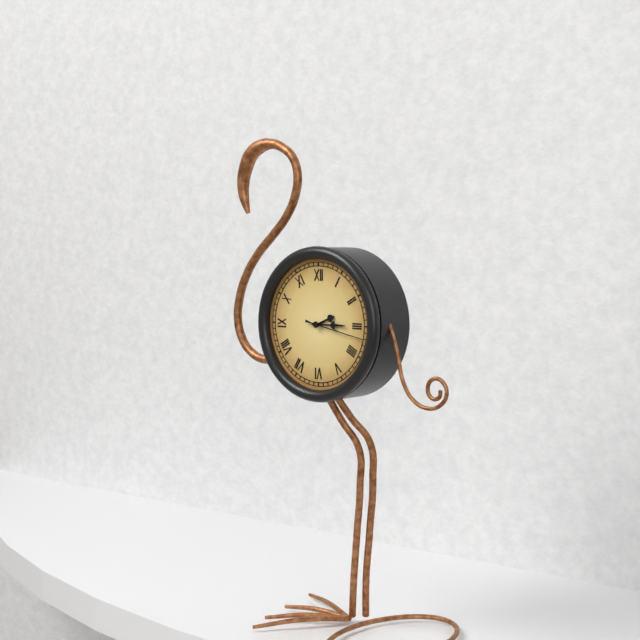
2.15
